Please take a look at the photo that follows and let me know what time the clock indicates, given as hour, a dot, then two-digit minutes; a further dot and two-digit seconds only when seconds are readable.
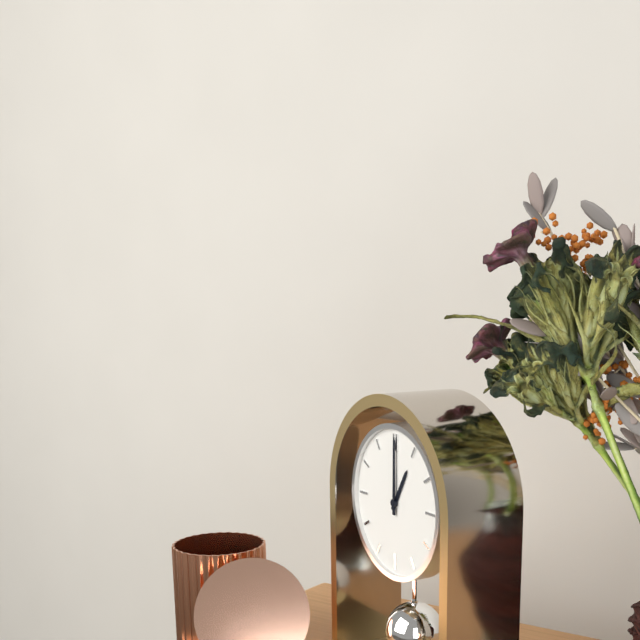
1.00
